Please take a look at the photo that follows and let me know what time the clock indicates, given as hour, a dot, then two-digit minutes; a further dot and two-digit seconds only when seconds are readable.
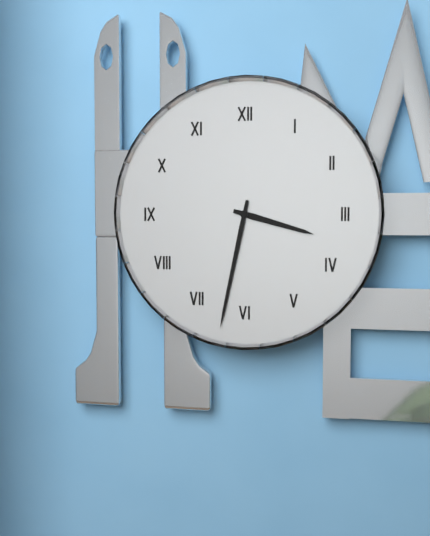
3.32
